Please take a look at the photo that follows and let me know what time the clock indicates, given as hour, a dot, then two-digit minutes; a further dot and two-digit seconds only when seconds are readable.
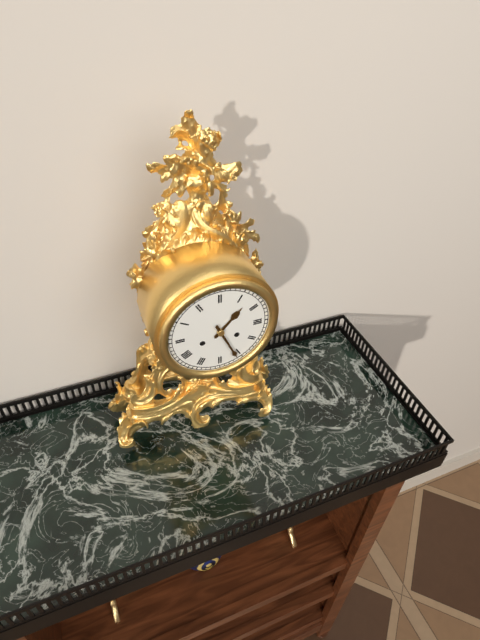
1.26
